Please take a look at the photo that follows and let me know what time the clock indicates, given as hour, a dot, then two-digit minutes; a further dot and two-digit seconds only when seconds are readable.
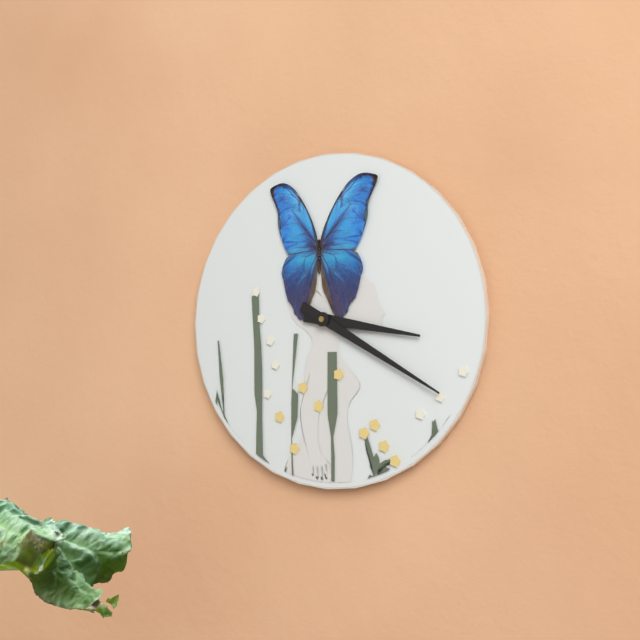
3.20
